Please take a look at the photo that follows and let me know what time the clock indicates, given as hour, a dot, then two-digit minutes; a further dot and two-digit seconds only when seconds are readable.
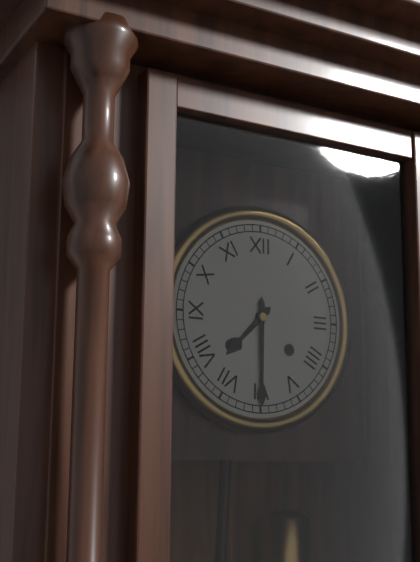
7.30
